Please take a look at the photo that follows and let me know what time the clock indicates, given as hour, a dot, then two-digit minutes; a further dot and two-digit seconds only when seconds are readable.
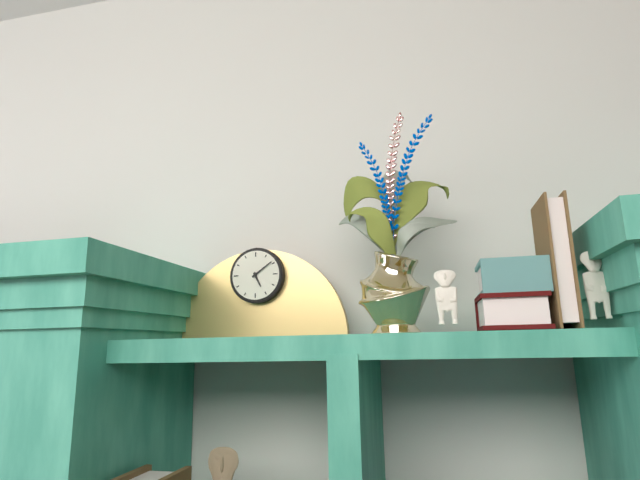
5.09
